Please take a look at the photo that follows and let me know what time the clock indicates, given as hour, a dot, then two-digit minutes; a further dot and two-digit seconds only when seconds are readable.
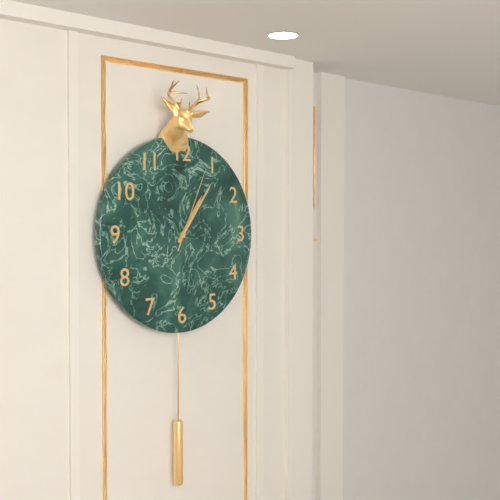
1.06.04
